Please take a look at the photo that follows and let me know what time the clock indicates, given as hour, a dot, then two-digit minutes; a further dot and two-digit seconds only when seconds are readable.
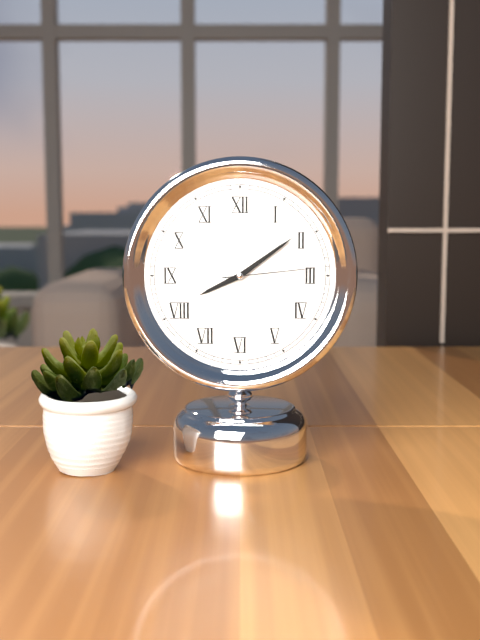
8.09.14
